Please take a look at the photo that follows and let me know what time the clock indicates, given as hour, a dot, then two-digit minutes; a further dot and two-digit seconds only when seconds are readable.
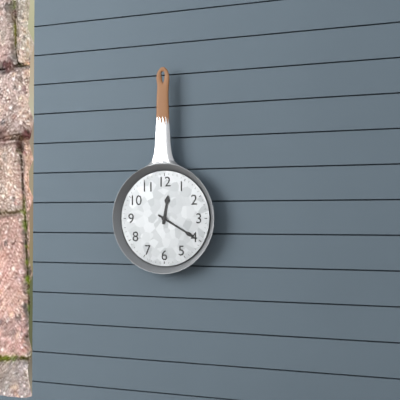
12.20
